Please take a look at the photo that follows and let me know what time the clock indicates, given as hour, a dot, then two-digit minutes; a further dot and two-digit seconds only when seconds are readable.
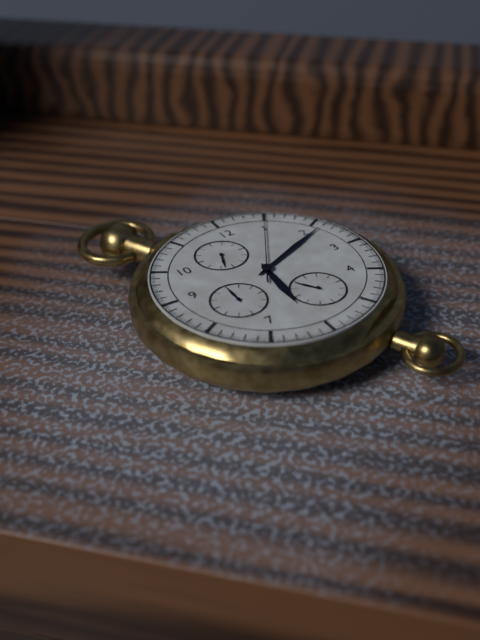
6.11.05
